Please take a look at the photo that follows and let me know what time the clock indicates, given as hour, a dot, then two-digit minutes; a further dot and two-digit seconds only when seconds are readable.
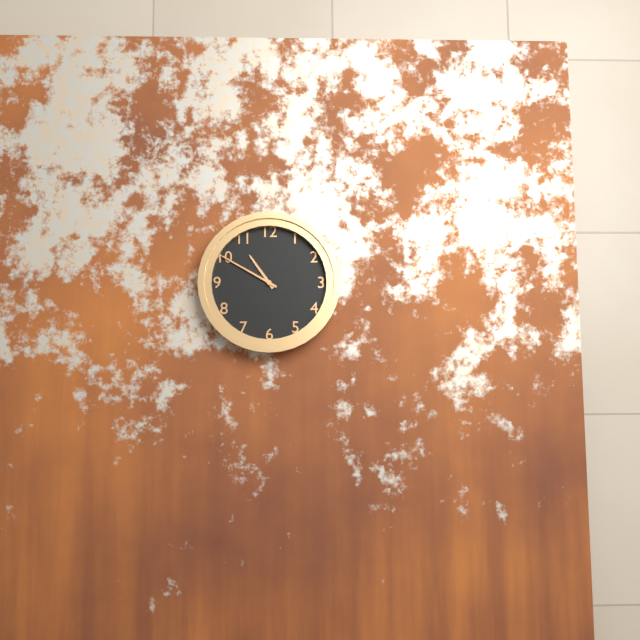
10.50
